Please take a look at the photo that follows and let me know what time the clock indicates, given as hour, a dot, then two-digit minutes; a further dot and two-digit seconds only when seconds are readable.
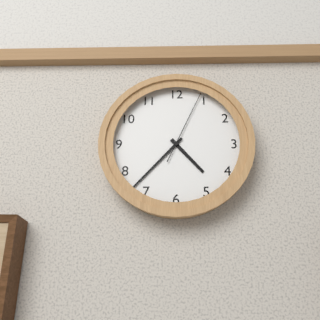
4.37.04
